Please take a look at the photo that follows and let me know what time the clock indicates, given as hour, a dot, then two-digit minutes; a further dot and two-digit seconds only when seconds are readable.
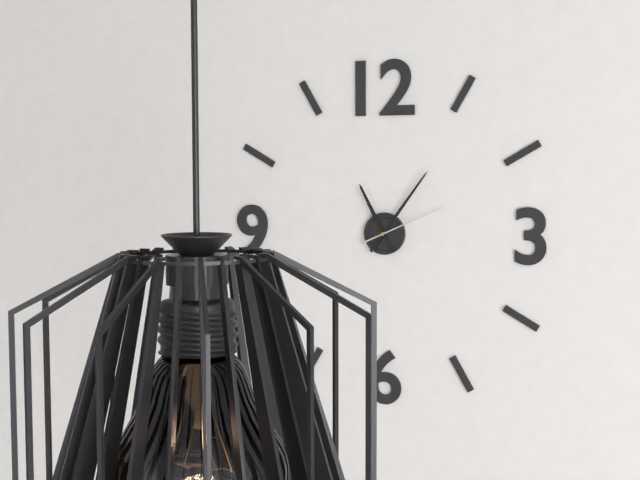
11.06.11
